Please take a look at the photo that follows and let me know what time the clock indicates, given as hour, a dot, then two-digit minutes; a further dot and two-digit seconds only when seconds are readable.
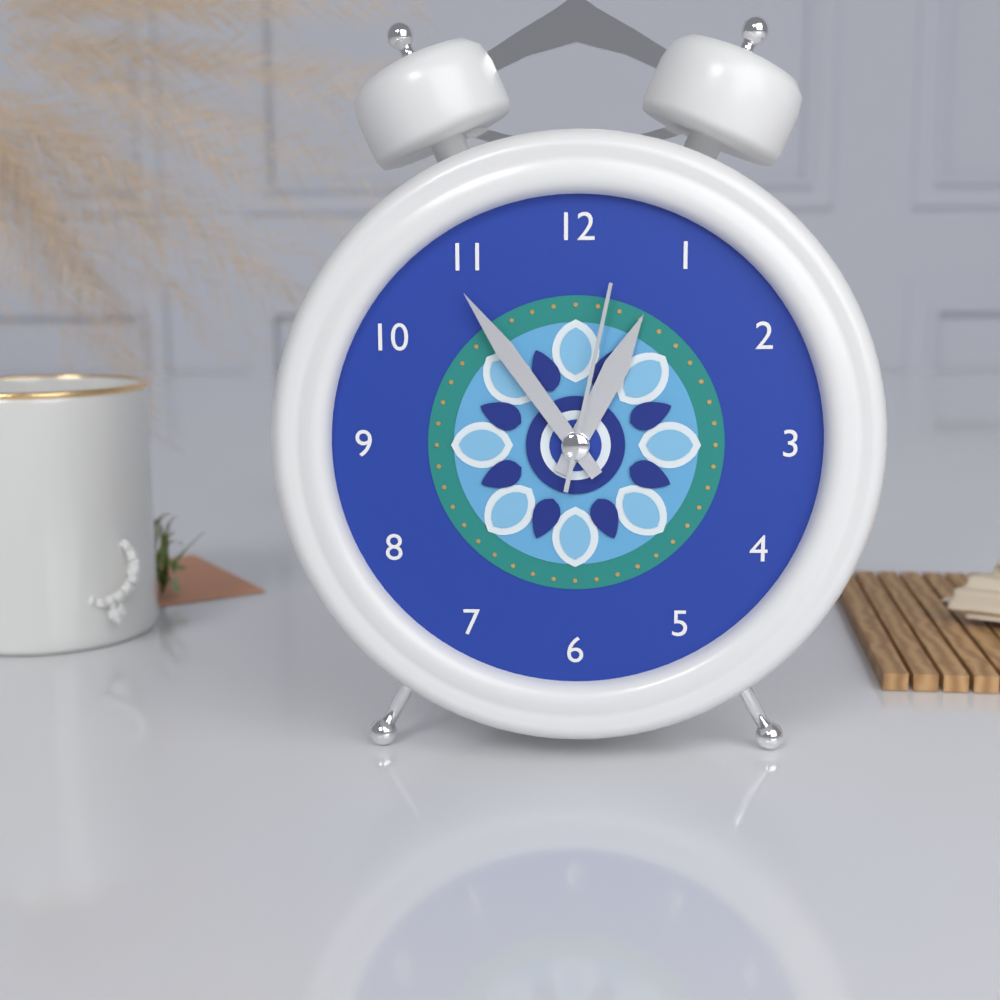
12.54.02
